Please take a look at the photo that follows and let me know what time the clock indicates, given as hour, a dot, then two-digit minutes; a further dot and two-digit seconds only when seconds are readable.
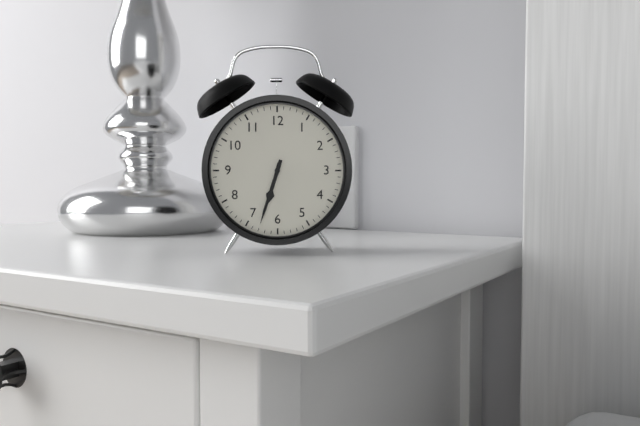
6.33
